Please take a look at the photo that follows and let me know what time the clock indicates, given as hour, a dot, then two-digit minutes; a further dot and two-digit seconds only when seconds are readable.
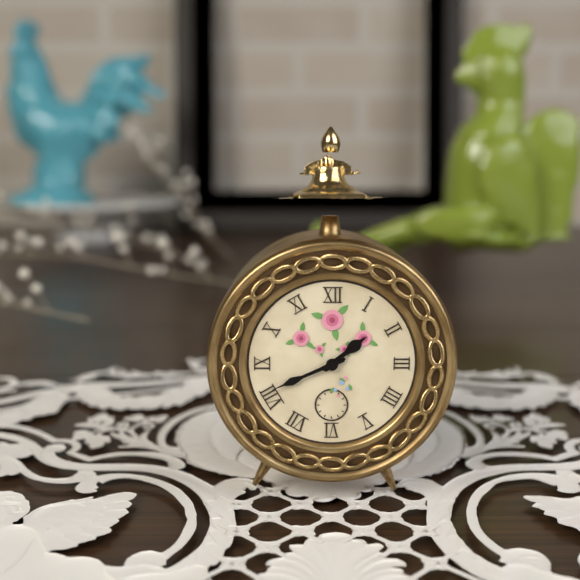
1.41
